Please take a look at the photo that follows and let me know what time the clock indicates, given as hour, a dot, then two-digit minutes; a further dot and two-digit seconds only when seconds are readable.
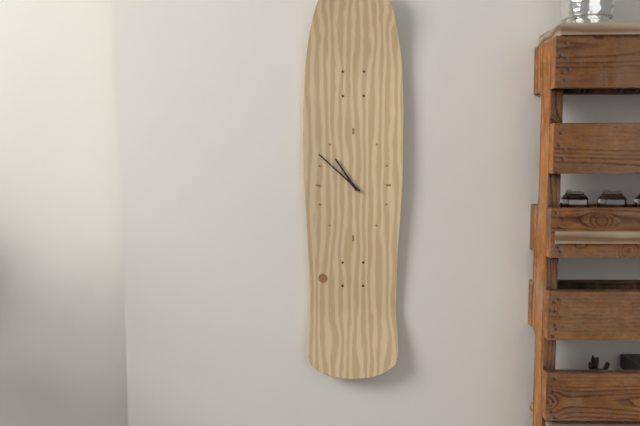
10.52
